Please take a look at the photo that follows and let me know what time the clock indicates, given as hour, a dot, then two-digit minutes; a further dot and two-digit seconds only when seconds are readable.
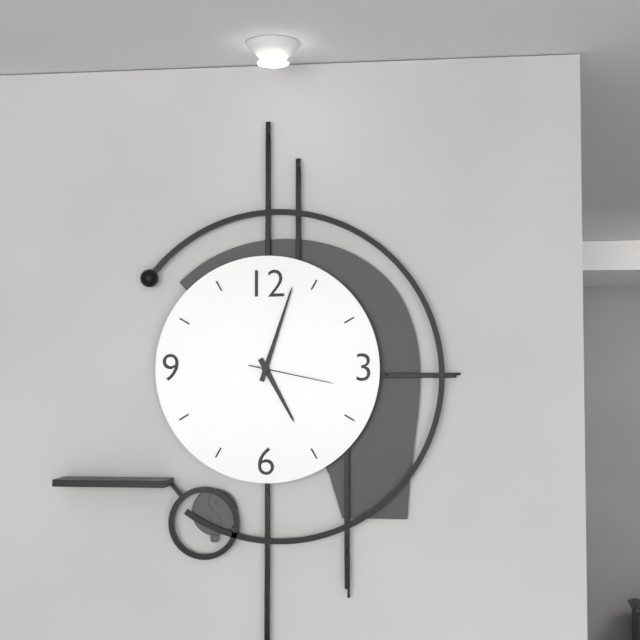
5.03.17
